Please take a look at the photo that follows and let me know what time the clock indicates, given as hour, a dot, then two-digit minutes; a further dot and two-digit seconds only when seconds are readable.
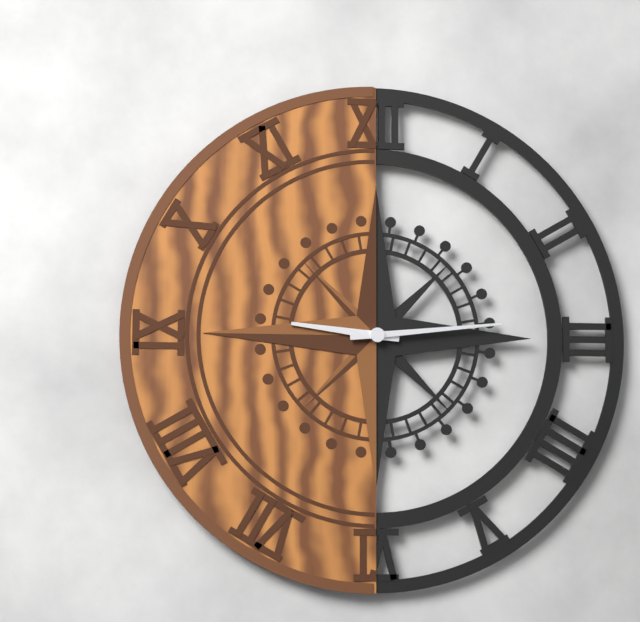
9.14
